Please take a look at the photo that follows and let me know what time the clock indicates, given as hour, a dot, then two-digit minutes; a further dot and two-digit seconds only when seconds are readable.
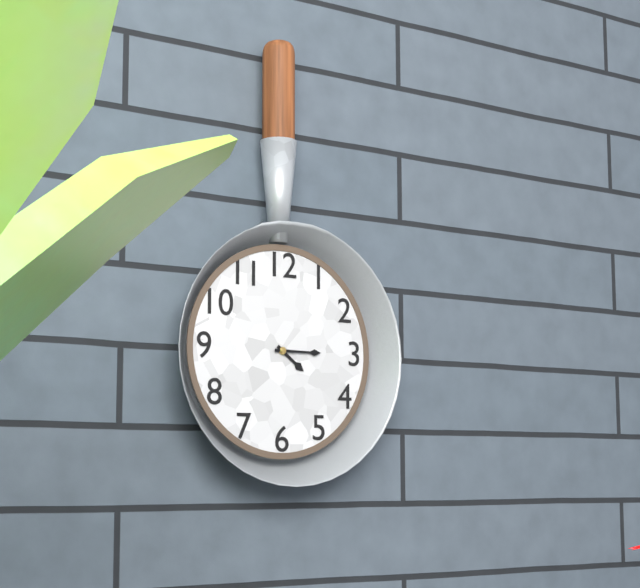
4.15
